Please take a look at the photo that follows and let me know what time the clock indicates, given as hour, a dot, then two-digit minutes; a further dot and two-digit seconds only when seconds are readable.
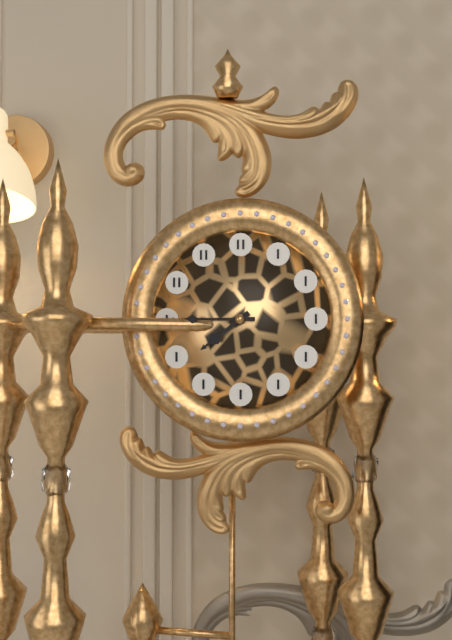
7.45
